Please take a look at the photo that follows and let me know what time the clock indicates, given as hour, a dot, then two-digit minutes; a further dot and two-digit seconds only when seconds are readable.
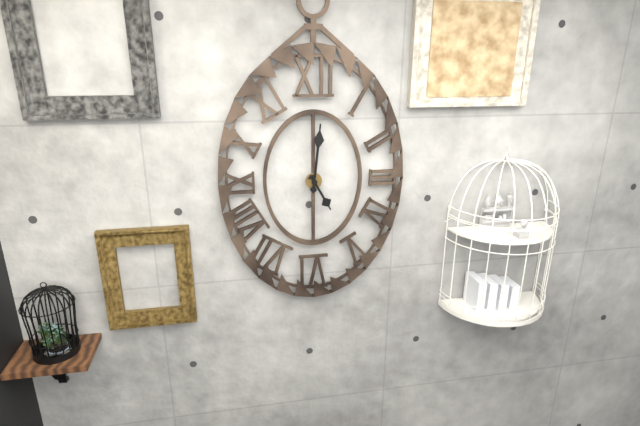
5.01
